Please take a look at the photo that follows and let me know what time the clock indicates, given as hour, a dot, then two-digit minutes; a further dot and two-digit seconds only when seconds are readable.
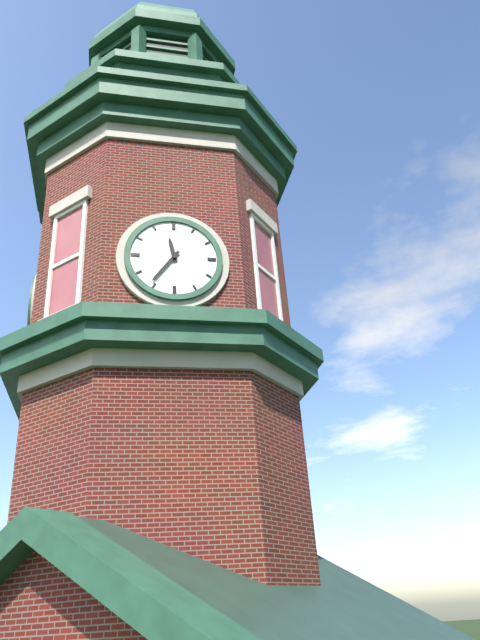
11.36
